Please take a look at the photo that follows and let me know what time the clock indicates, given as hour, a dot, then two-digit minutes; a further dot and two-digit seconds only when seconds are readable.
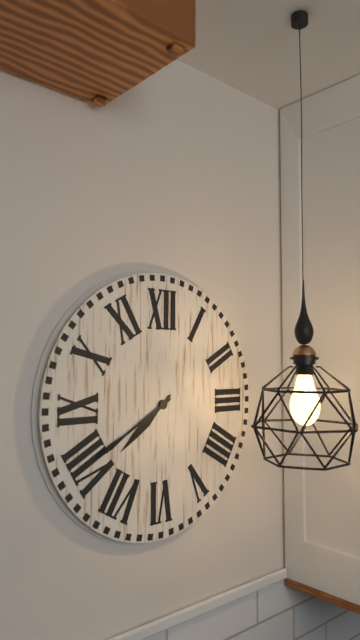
7.40
